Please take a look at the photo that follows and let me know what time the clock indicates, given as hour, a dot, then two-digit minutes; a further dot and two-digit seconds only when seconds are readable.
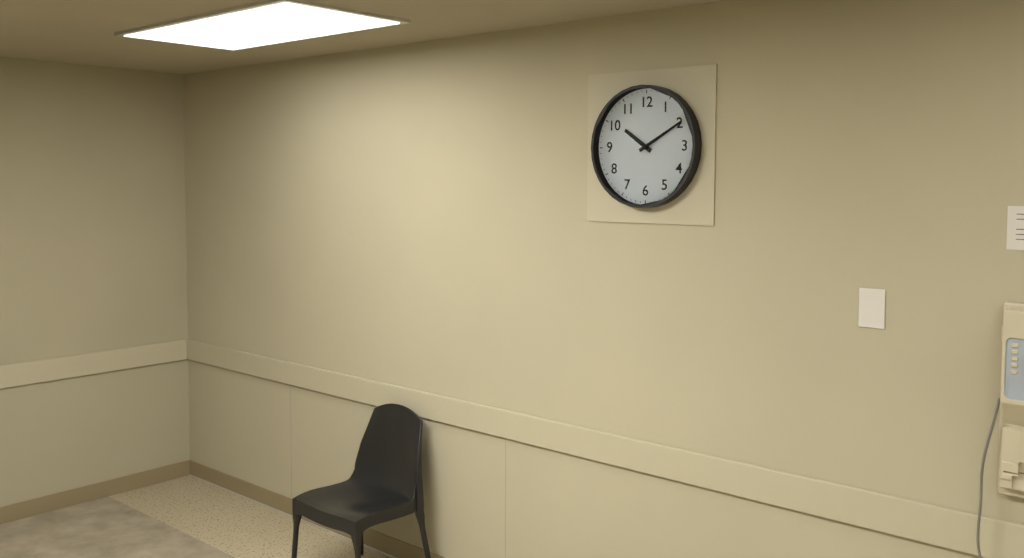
10.10
